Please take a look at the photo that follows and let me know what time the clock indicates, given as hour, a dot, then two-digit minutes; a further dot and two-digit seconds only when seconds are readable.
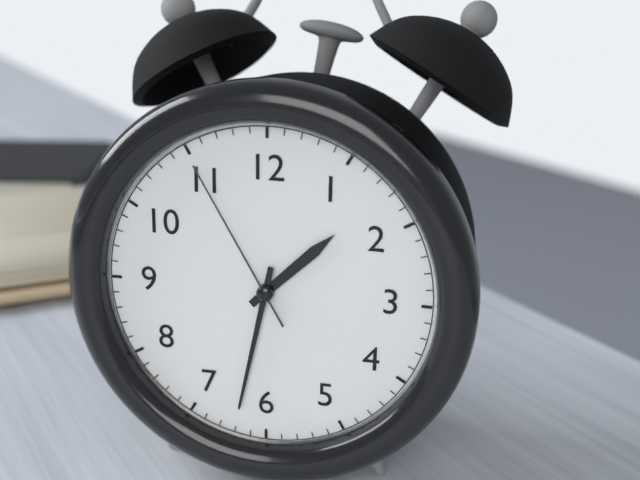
1.32.55
